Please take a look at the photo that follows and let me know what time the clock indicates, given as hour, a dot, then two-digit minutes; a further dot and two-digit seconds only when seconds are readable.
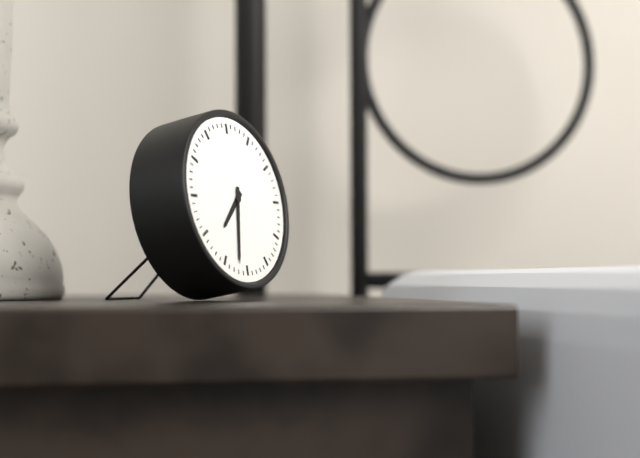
7.32
